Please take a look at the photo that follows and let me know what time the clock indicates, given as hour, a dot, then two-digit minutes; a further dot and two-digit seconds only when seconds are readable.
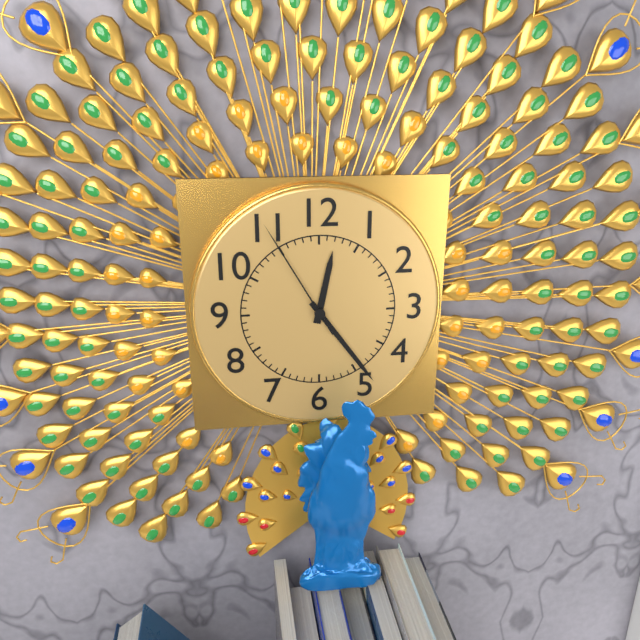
12.24.55
